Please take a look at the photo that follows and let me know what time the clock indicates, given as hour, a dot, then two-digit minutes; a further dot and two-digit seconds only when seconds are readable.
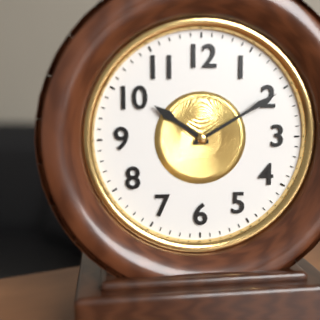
10.10
